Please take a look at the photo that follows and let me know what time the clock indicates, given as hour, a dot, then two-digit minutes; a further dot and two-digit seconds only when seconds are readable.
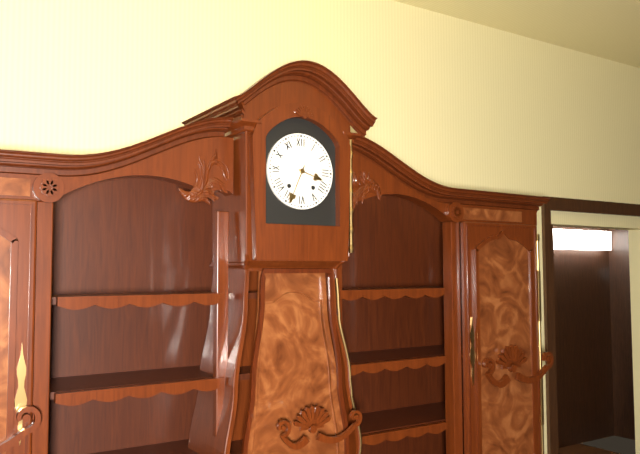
3.34
